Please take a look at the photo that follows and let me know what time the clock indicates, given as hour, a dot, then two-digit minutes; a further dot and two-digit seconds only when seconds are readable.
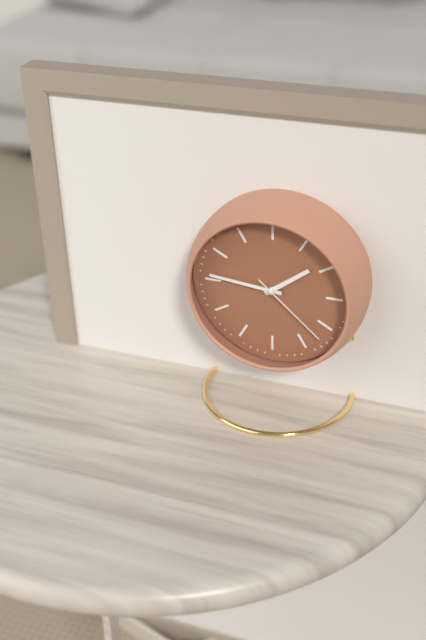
1.46.22
